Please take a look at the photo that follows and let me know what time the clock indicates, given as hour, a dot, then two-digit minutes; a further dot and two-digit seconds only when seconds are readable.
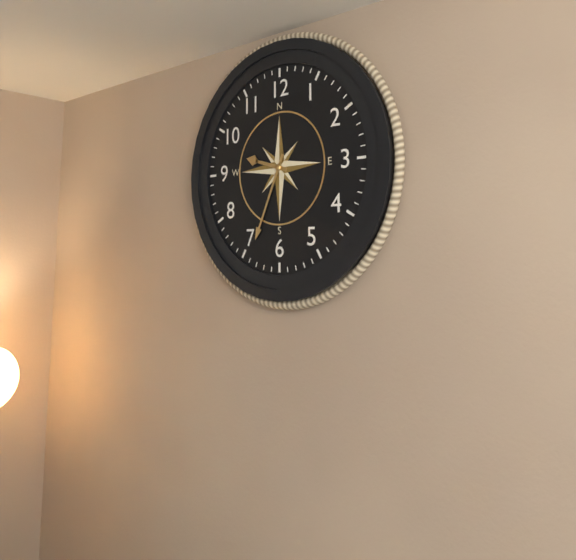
9.34
